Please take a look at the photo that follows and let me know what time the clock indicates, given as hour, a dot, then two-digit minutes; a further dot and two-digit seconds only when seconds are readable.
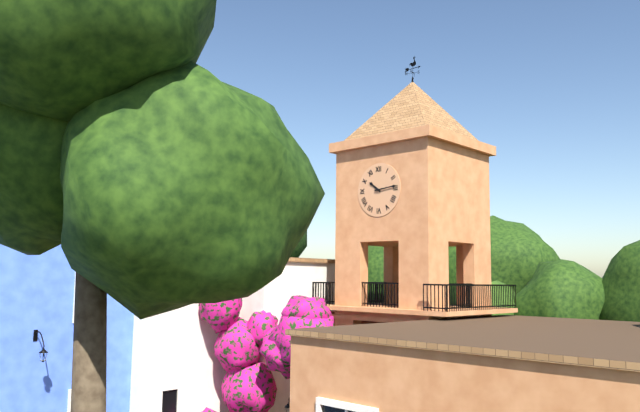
10.14
